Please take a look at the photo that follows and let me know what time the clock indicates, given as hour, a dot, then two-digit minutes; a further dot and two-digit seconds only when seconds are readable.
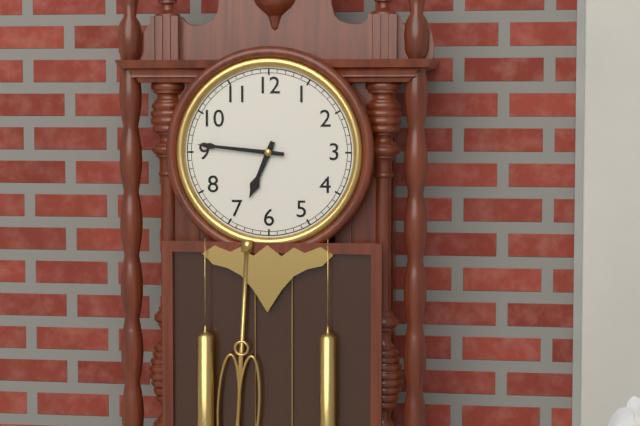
6.46
